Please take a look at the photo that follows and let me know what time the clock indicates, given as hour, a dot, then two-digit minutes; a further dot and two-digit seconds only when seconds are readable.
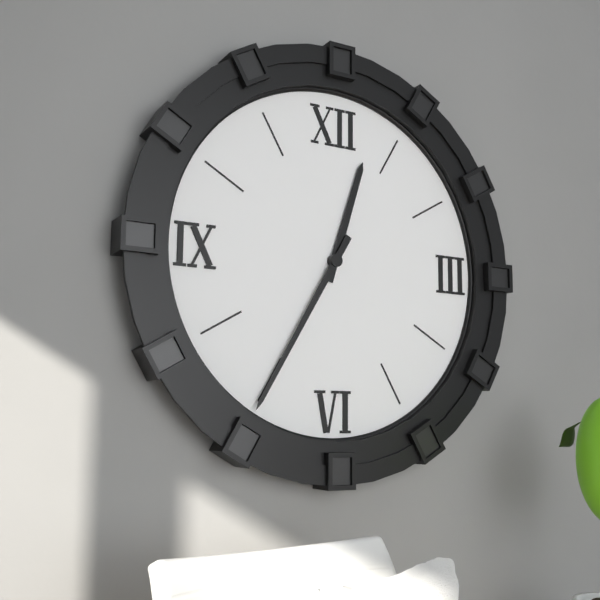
12.35
